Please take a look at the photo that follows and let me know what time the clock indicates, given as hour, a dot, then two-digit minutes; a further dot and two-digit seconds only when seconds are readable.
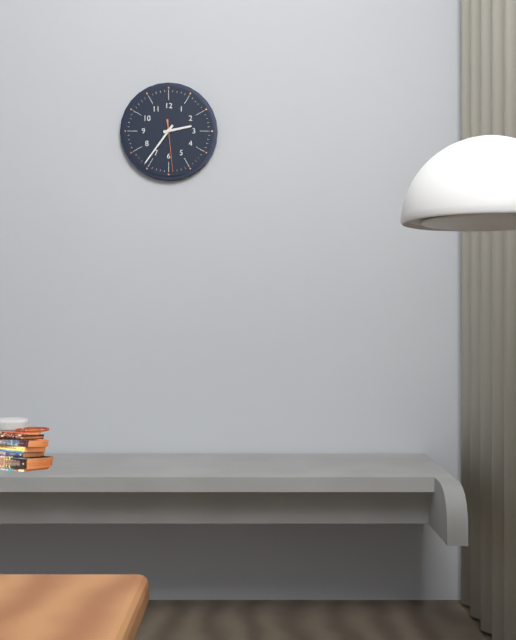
2.36.29
